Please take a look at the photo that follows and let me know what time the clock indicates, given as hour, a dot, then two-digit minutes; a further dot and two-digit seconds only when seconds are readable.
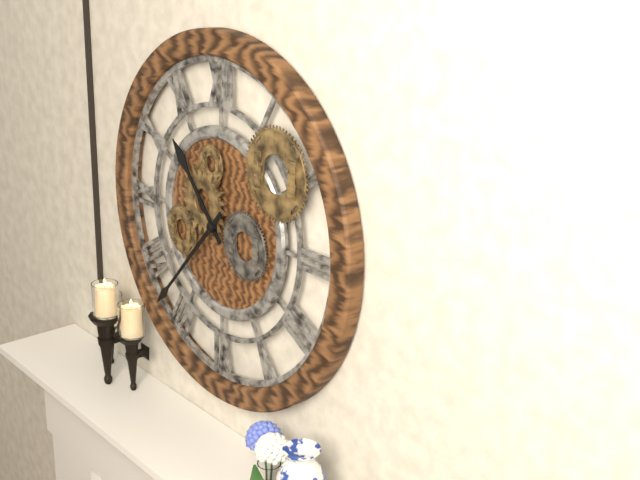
10.37
